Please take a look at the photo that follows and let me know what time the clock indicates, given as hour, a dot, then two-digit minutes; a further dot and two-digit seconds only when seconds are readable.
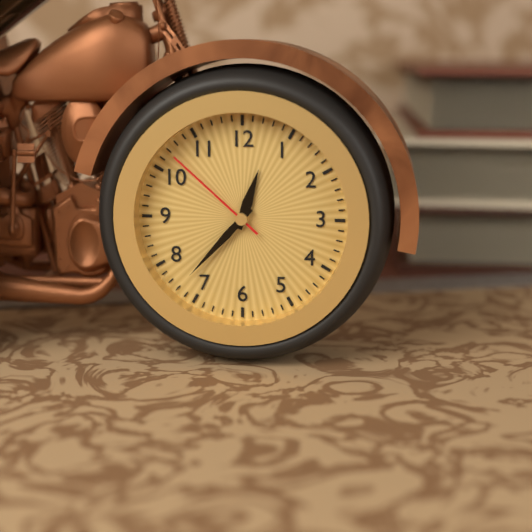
12.37.52
